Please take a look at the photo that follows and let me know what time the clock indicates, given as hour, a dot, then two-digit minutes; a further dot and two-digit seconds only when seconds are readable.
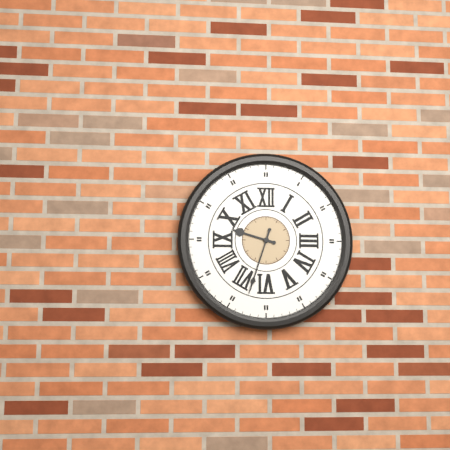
9.33
